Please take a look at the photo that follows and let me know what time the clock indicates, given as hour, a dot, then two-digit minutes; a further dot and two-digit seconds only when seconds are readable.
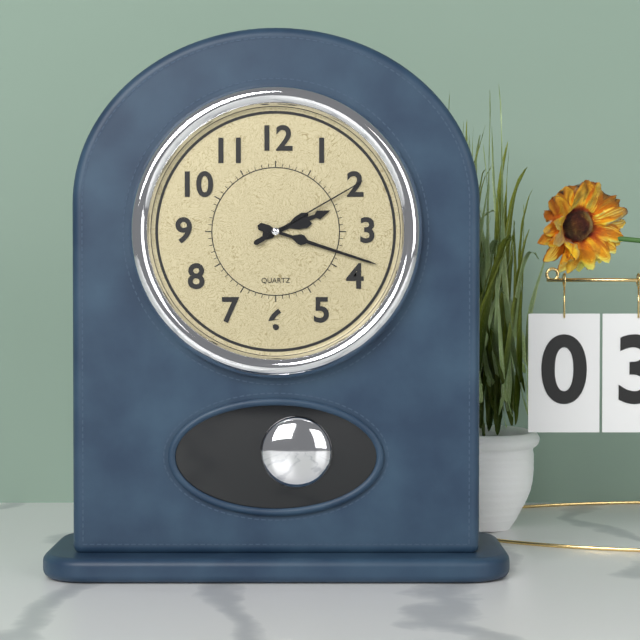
2.18.10
